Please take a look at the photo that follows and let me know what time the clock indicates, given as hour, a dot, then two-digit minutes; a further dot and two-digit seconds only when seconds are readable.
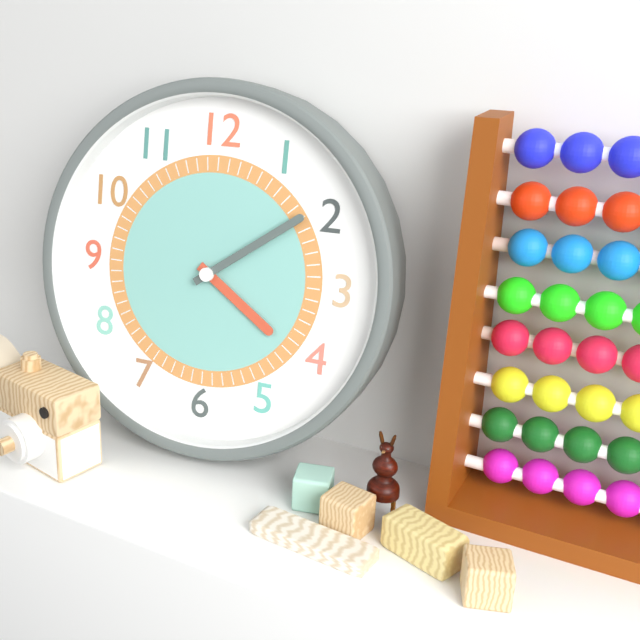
4.09
